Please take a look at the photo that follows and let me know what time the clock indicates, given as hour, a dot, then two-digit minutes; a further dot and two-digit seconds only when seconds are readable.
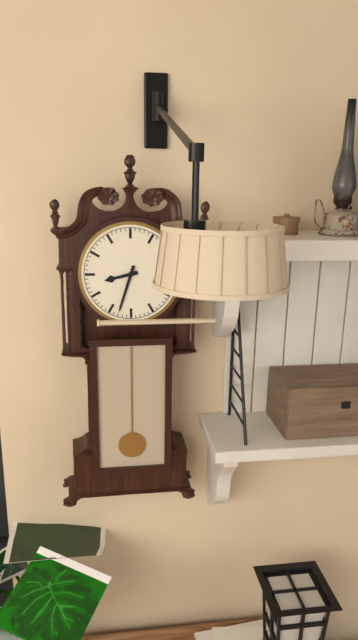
8.33
